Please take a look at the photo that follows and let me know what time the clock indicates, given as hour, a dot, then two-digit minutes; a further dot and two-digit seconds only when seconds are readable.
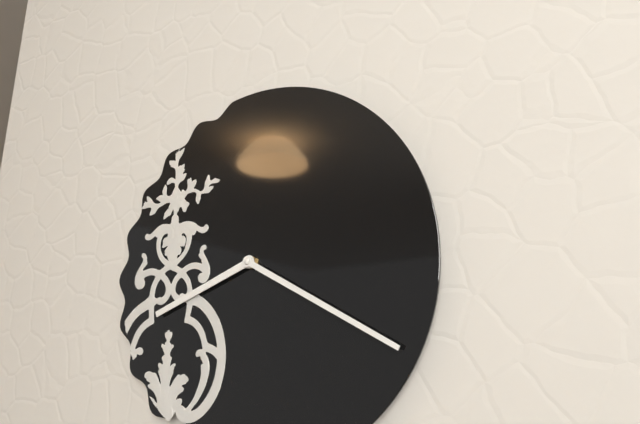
8.20
